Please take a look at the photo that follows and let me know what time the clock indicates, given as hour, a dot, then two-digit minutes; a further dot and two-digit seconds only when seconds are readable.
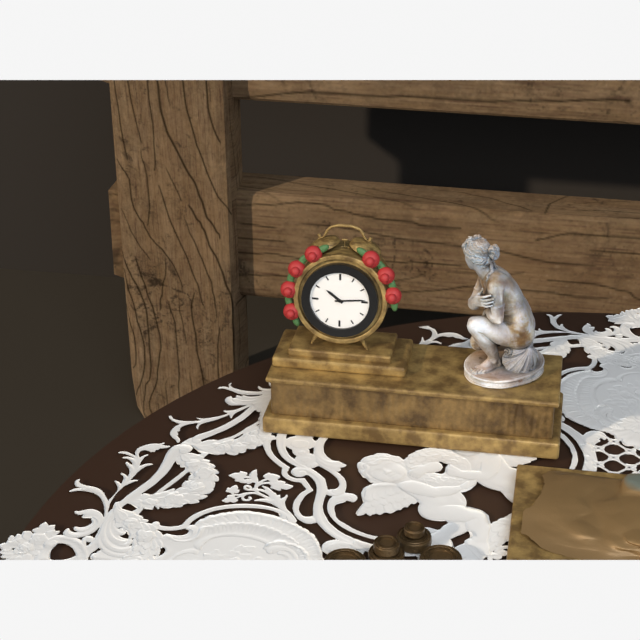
10.14
